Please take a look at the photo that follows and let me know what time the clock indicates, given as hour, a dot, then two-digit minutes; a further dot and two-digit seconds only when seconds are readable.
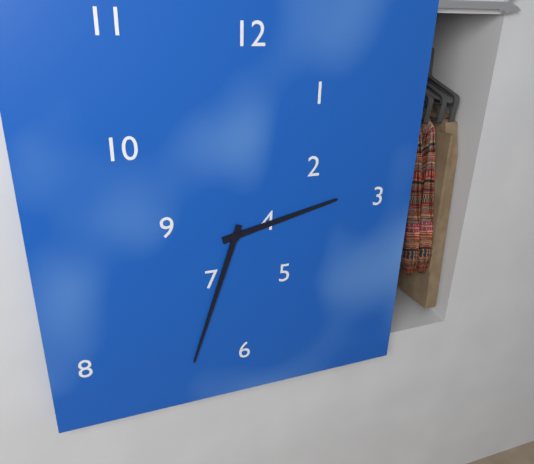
2.33
